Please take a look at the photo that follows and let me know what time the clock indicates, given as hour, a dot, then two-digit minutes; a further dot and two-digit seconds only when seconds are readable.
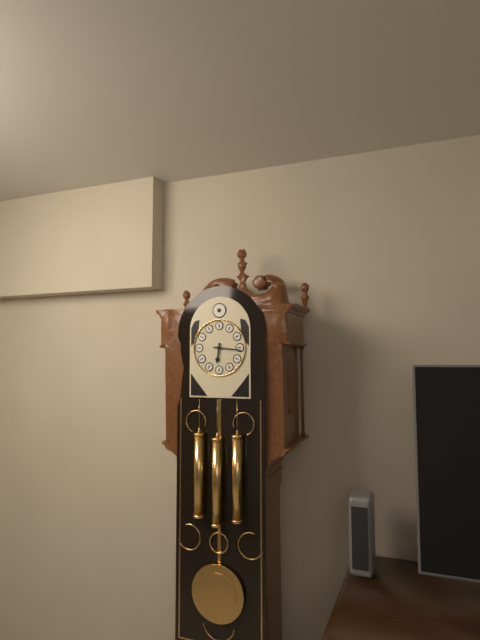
6.16
